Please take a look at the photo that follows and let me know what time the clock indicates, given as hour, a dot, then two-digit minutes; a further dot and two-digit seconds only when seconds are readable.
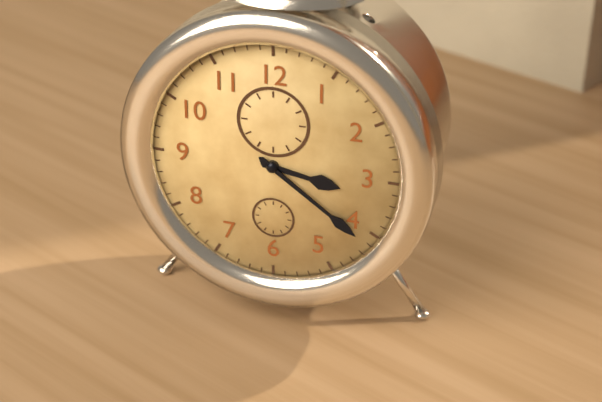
3.21
